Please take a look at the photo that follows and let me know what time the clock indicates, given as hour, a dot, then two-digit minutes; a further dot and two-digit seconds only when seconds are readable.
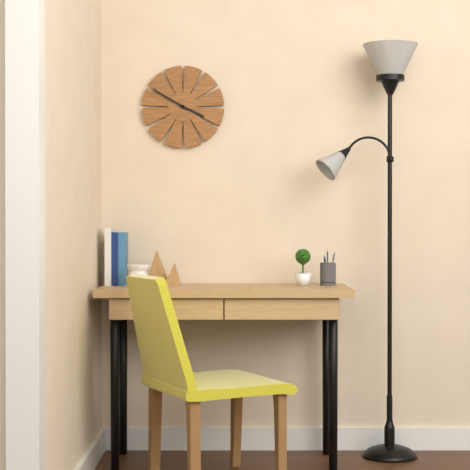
3.50
